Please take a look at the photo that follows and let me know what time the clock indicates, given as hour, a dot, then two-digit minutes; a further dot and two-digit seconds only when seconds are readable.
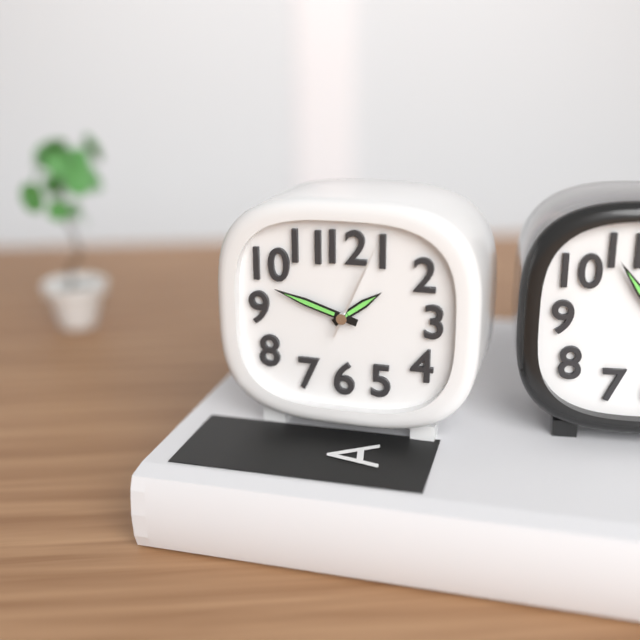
1.48.04
